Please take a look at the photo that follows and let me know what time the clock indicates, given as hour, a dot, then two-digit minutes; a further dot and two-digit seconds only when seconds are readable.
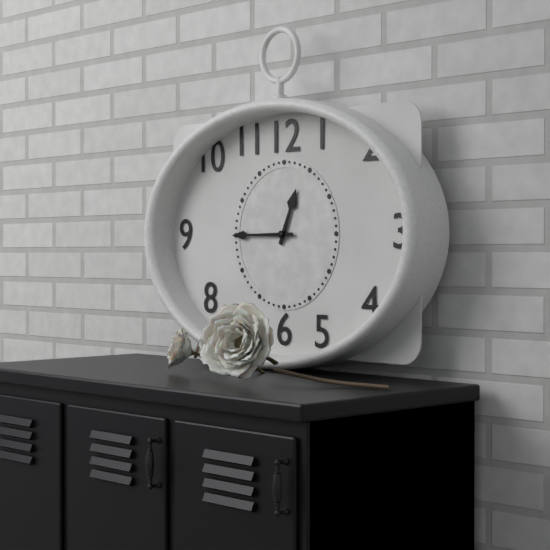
12.45
